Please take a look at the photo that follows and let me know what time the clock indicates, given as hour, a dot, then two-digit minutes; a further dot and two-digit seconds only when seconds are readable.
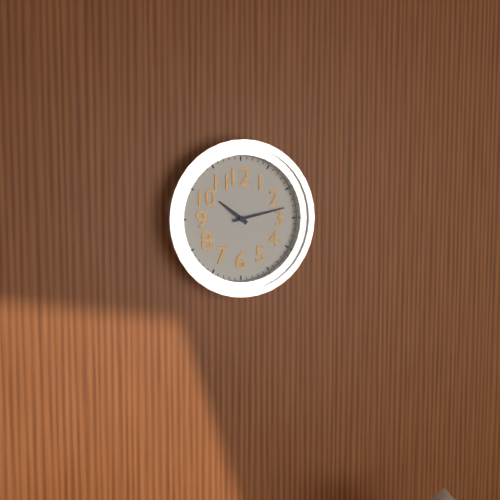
10.13
